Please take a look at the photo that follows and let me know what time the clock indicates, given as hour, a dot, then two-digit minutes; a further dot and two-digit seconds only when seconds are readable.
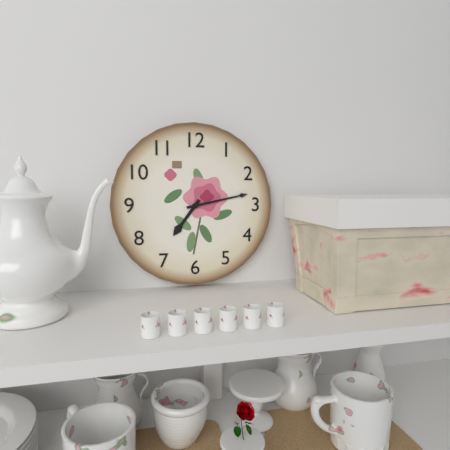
7.13
